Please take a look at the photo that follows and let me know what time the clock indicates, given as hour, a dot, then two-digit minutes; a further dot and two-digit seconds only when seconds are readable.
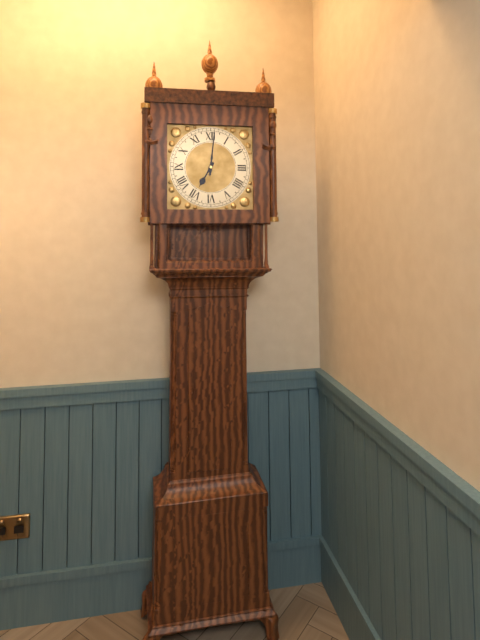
7.01
